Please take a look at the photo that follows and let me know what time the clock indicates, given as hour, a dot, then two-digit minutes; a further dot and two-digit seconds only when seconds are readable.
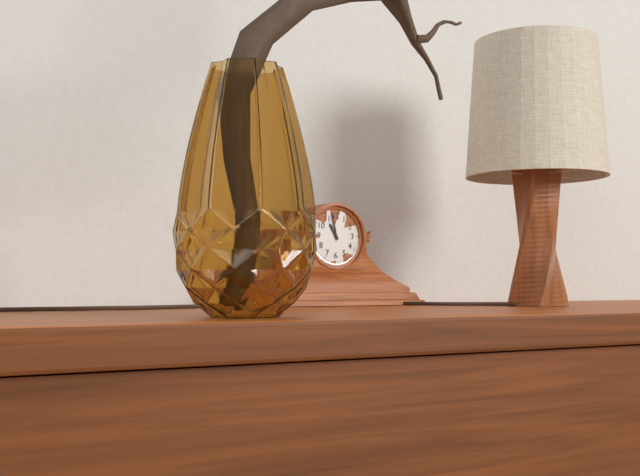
10.58
